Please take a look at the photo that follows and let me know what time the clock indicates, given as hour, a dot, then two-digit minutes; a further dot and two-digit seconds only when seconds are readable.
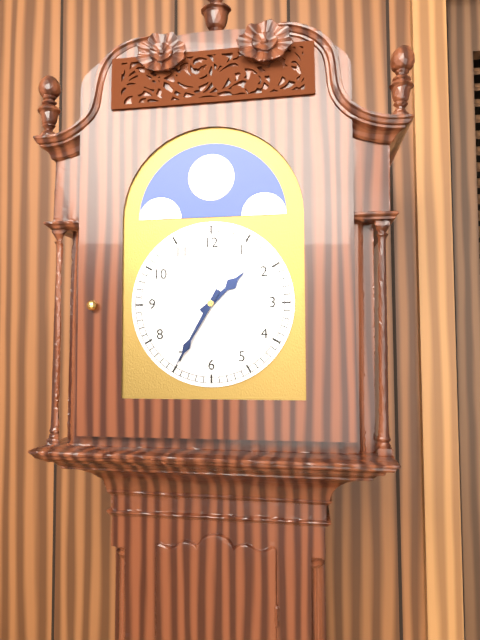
1.35
